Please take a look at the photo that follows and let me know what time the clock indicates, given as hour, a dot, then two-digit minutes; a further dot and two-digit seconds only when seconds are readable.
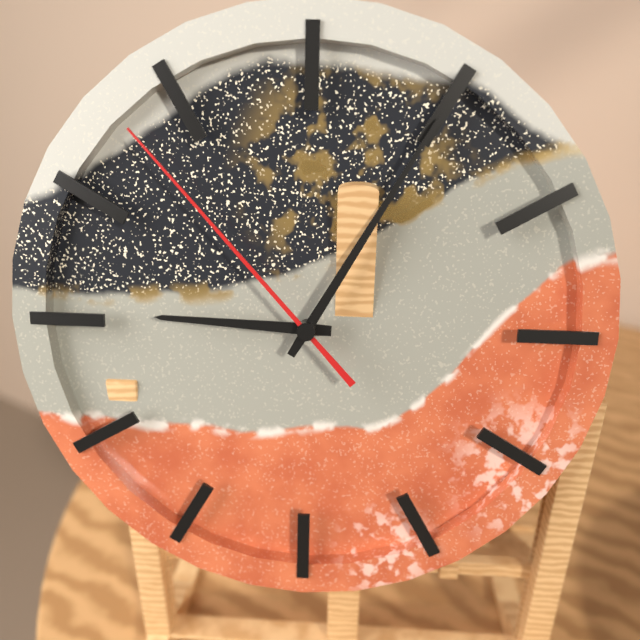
9.05.53
